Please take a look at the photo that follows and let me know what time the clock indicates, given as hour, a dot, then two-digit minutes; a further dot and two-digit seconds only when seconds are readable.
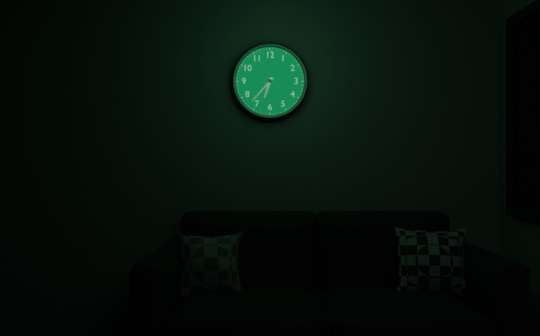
6.37
